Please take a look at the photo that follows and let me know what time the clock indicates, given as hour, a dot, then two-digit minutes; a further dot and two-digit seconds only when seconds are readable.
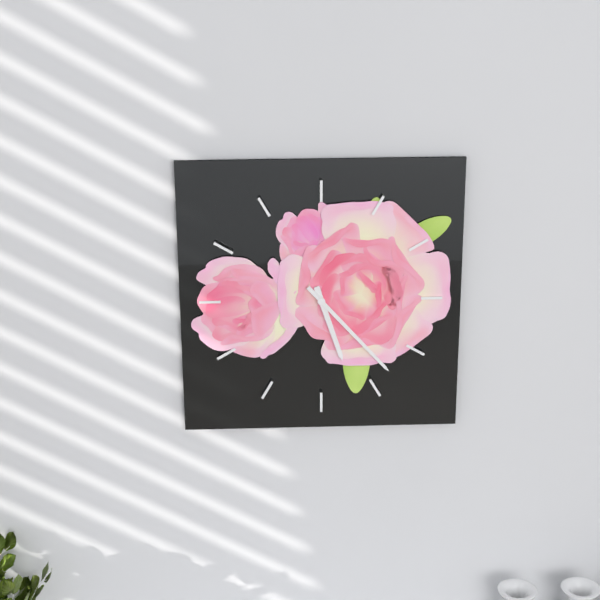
5.23
